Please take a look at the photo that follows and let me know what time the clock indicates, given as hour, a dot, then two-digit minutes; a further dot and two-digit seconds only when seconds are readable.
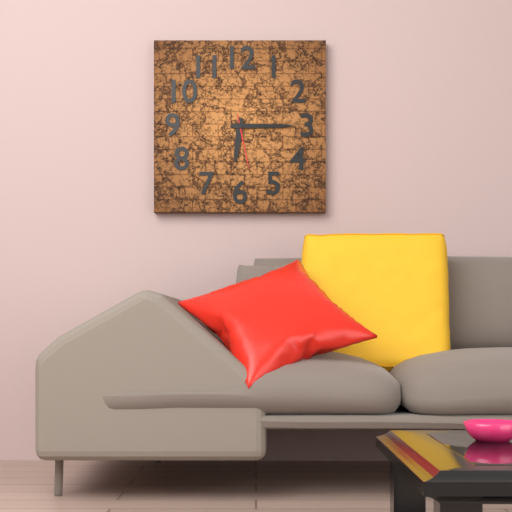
6.15.28
